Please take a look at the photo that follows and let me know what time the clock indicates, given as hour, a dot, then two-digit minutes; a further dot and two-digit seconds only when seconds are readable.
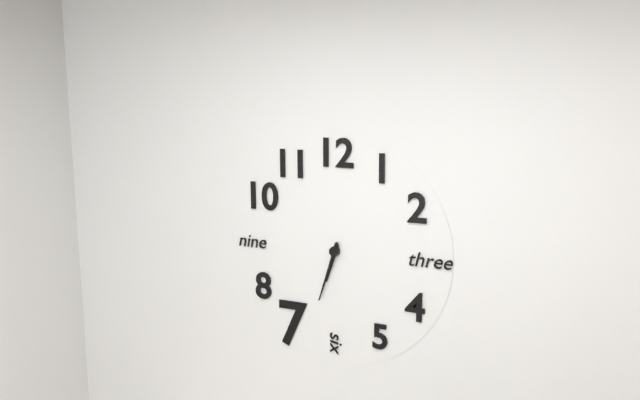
6.33
